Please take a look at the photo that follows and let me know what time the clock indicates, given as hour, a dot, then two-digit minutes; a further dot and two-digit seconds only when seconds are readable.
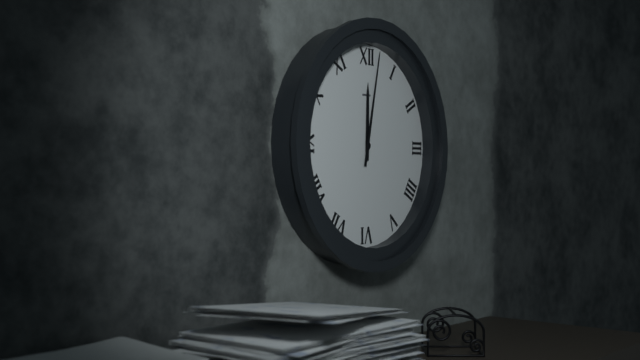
12.02
